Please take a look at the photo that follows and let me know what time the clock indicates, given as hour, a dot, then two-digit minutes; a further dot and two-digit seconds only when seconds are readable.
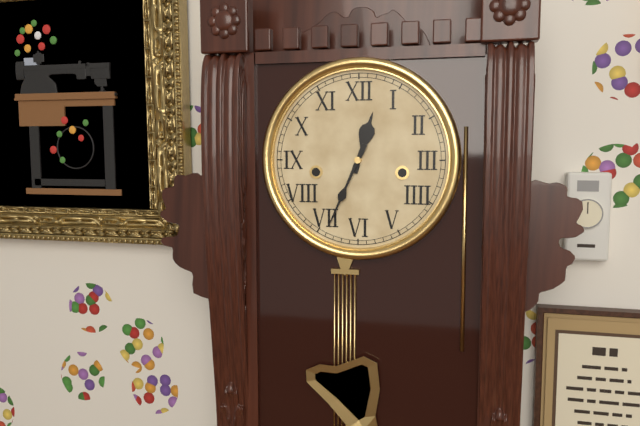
12.34
